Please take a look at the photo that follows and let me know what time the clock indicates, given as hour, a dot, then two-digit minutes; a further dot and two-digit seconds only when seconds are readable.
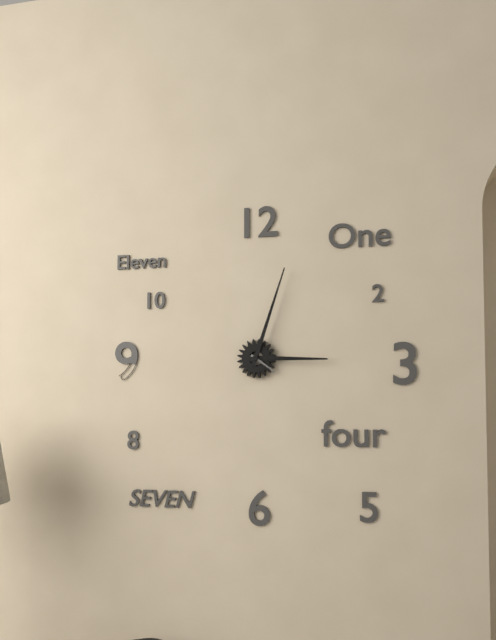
3.03
